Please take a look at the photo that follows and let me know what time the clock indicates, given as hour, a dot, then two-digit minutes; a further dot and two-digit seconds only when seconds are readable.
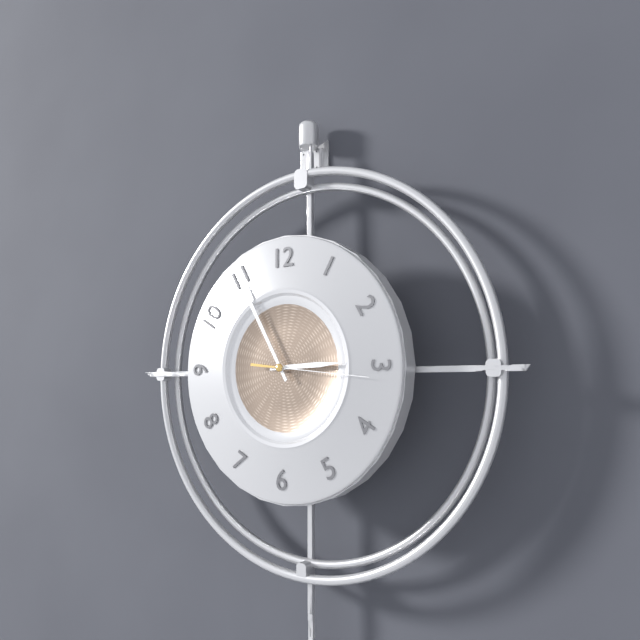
2.55.16
